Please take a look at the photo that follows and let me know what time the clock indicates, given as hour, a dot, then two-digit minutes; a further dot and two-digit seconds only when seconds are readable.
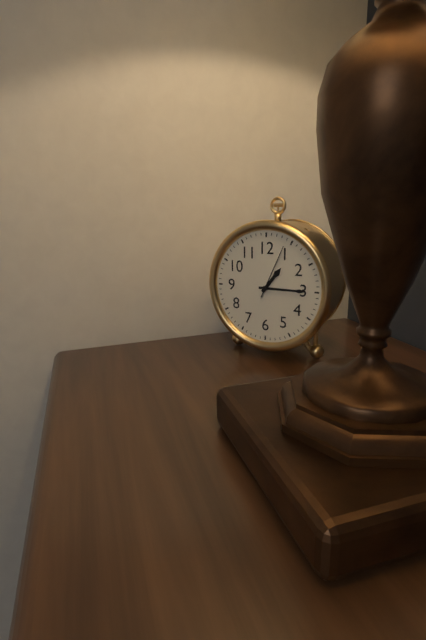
1.15.04
